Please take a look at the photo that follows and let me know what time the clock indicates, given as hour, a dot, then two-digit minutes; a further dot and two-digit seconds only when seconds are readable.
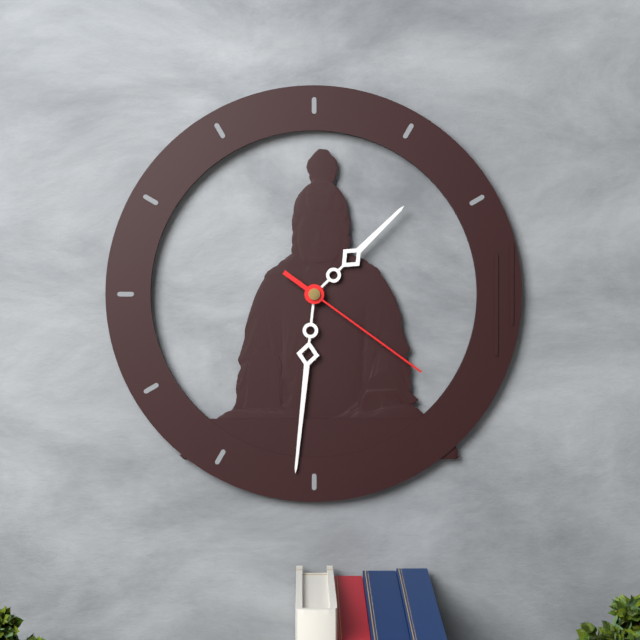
1.31.21
